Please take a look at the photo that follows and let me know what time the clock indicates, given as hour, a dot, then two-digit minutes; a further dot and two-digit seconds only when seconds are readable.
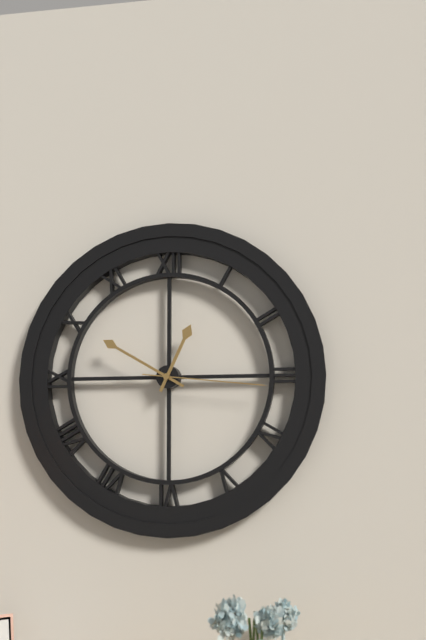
12.50.16
